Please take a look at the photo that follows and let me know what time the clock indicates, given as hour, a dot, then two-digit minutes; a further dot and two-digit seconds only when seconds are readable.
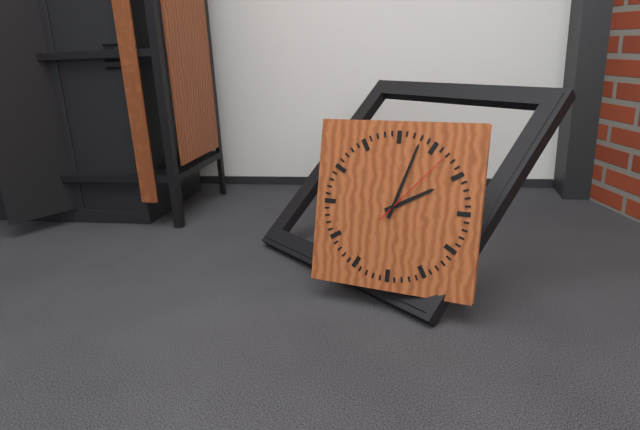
2.03.07
